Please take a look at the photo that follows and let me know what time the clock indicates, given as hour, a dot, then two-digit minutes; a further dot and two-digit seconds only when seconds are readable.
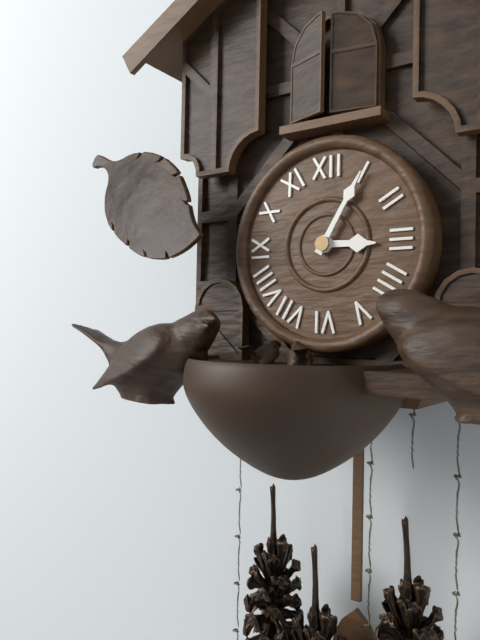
3.05
